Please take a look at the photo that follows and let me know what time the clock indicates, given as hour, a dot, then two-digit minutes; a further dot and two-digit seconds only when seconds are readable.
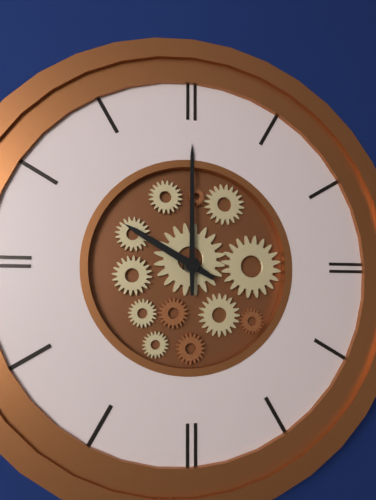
10.00
